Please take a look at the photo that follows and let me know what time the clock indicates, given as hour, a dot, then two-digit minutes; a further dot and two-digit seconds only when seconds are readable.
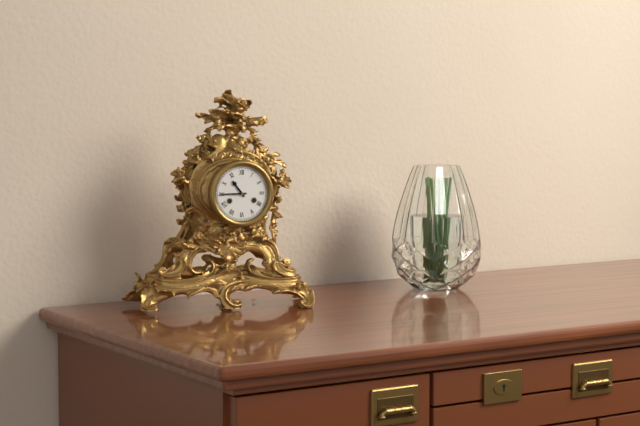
10.45
